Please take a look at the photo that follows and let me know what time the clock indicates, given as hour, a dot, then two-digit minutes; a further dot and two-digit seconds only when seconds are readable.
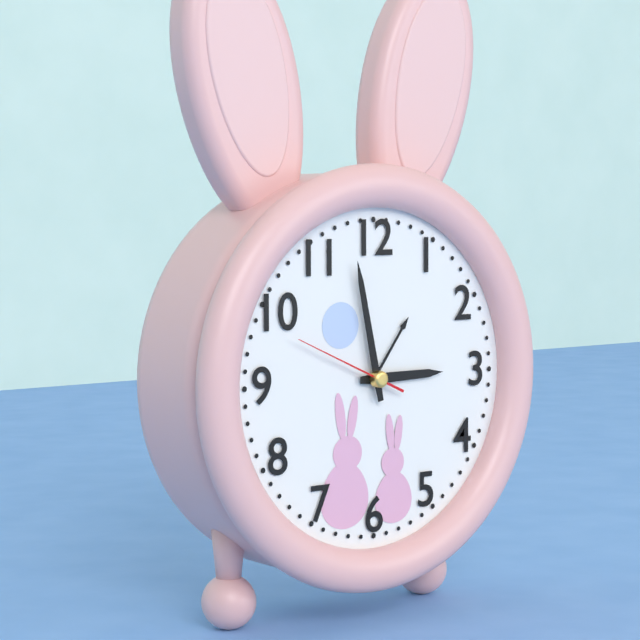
2.58.49
